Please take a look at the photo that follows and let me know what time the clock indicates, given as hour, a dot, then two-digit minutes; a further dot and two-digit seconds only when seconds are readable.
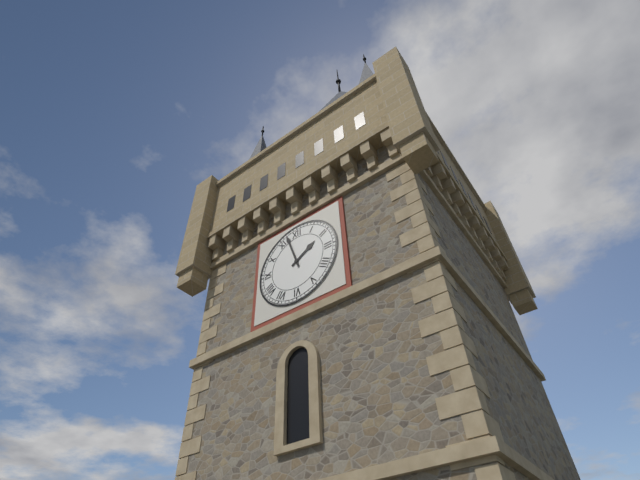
1.57
